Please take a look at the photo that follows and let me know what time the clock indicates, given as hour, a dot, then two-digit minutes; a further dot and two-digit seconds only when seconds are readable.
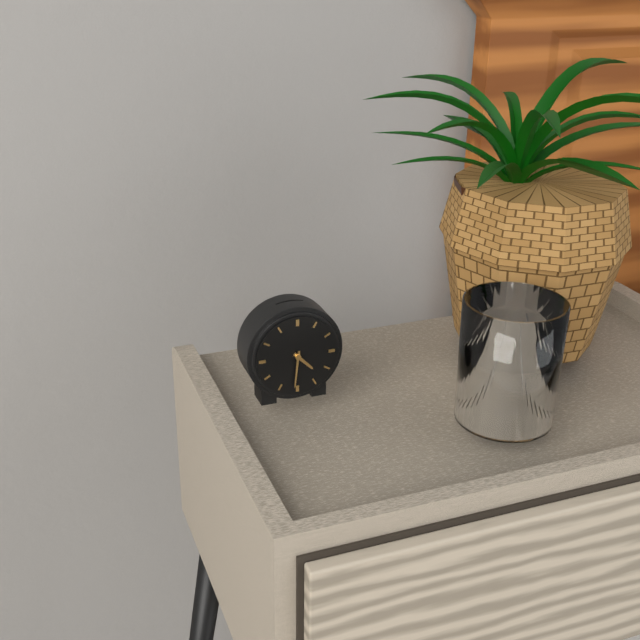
4.31
